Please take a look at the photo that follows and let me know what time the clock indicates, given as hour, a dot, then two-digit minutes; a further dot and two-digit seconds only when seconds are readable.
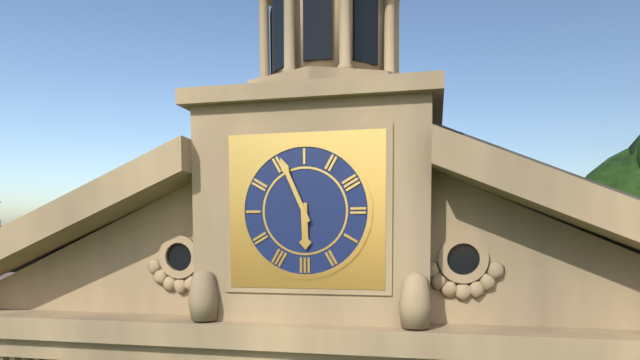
5.56
